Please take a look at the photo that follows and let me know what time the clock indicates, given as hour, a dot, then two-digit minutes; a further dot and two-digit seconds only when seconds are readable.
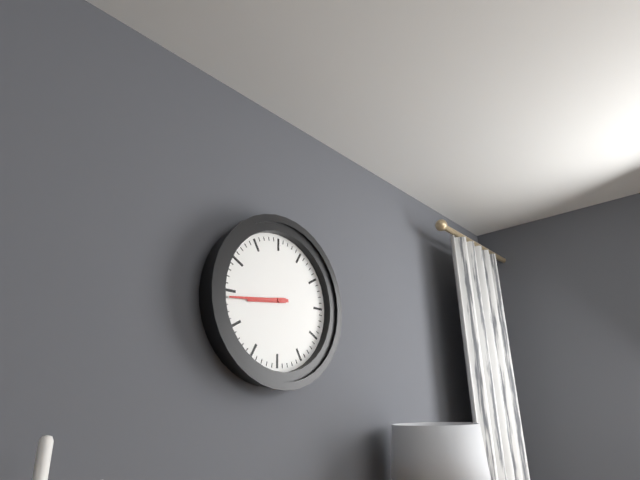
8.44
